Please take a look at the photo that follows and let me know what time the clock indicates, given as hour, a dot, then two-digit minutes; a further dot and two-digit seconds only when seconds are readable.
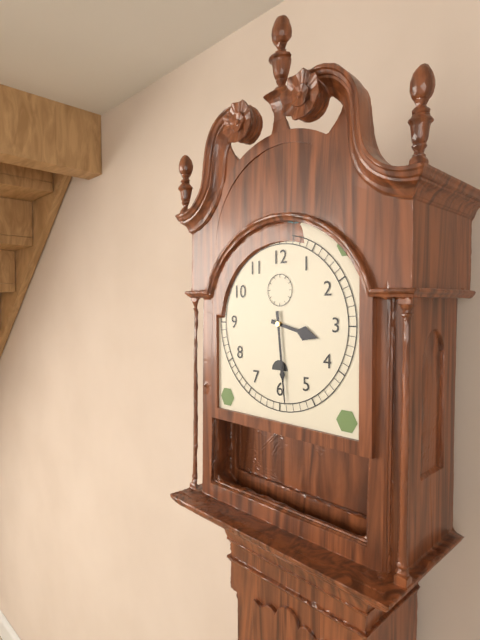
3.29
